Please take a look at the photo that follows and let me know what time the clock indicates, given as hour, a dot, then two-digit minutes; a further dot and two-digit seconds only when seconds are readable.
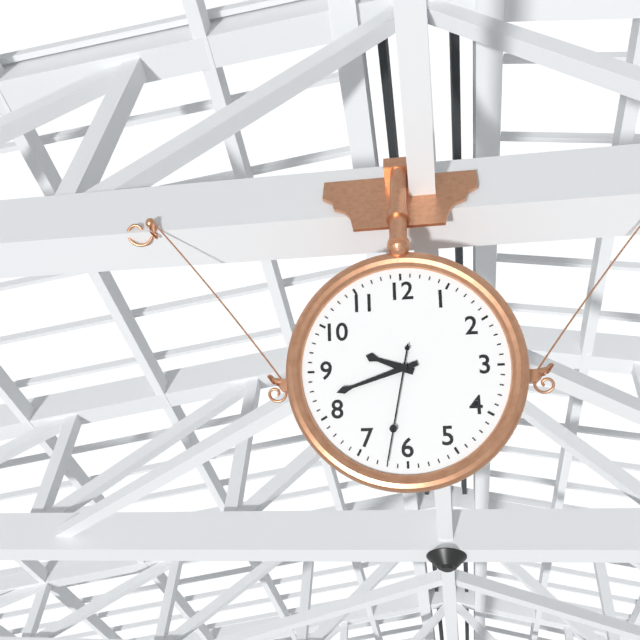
9.42.32
